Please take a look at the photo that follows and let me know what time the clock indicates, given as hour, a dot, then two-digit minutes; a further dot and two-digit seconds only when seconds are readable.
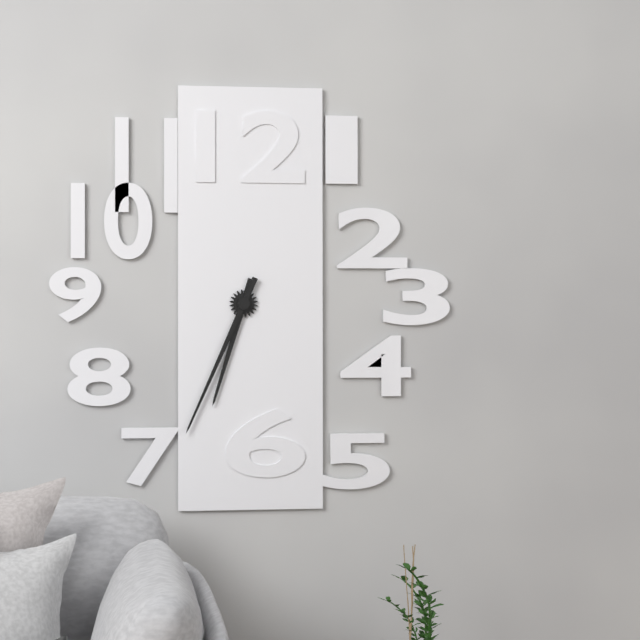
6.34
